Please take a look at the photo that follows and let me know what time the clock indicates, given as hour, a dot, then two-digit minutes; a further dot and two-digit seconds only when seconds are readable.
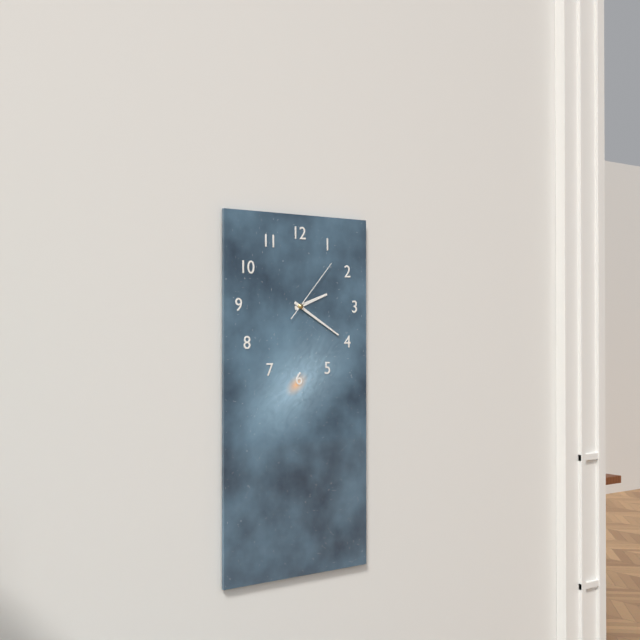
2.20.07
